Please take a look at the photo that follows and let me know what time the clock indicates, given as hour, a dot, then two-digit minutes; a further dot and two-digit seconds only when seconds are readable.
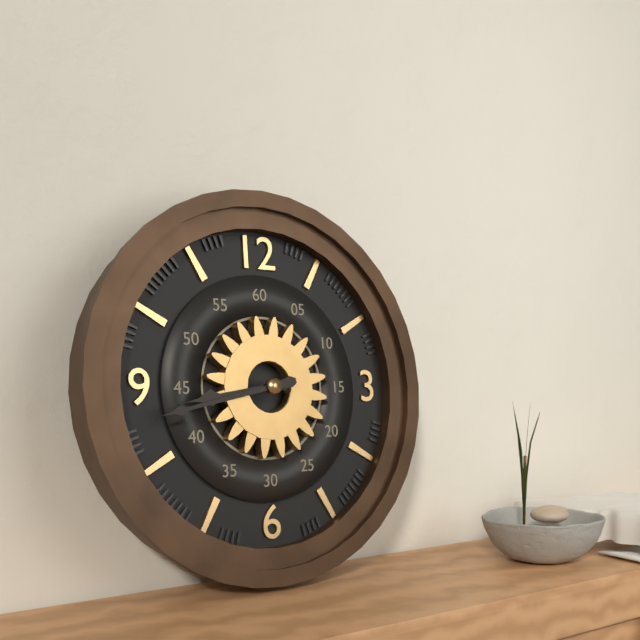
8.43
